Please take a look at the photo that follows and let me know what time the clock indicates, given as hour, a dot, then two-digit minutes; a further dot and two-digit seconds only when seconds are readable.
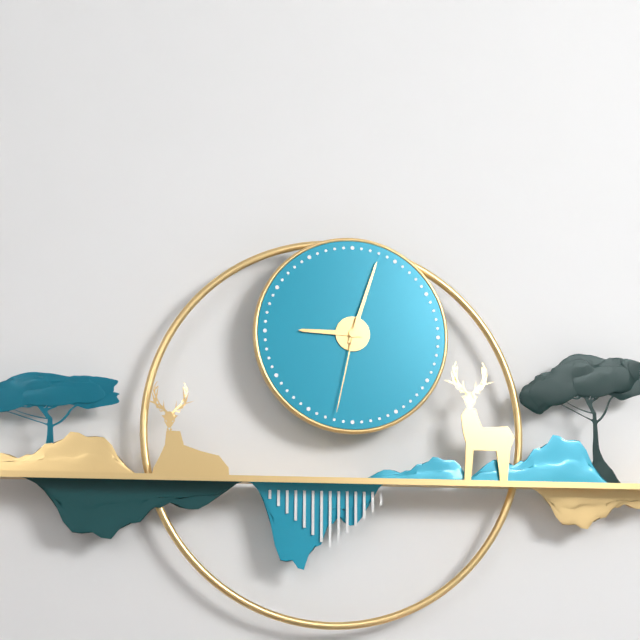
9.03.32
